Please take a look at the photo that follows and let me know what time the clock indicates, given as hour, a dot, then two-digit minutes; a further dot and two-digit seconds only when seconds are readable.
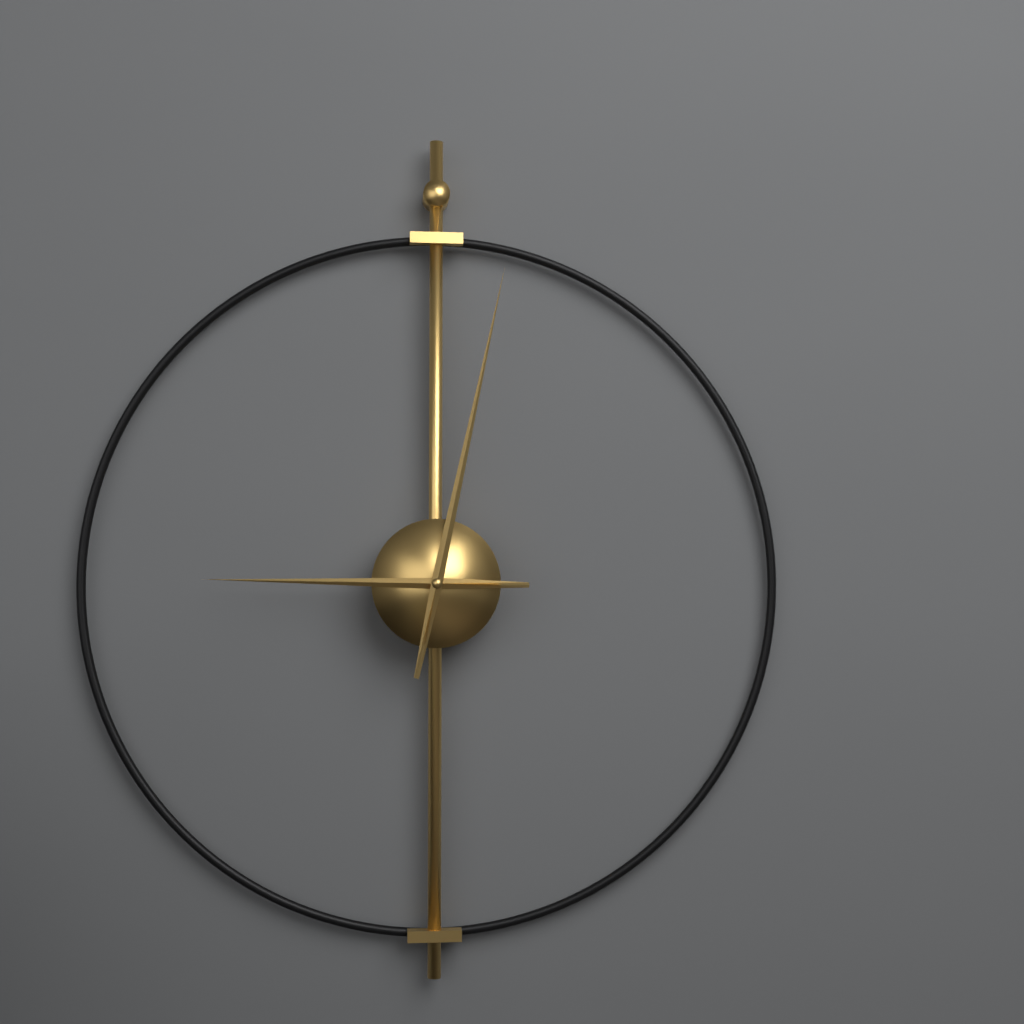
9.02
